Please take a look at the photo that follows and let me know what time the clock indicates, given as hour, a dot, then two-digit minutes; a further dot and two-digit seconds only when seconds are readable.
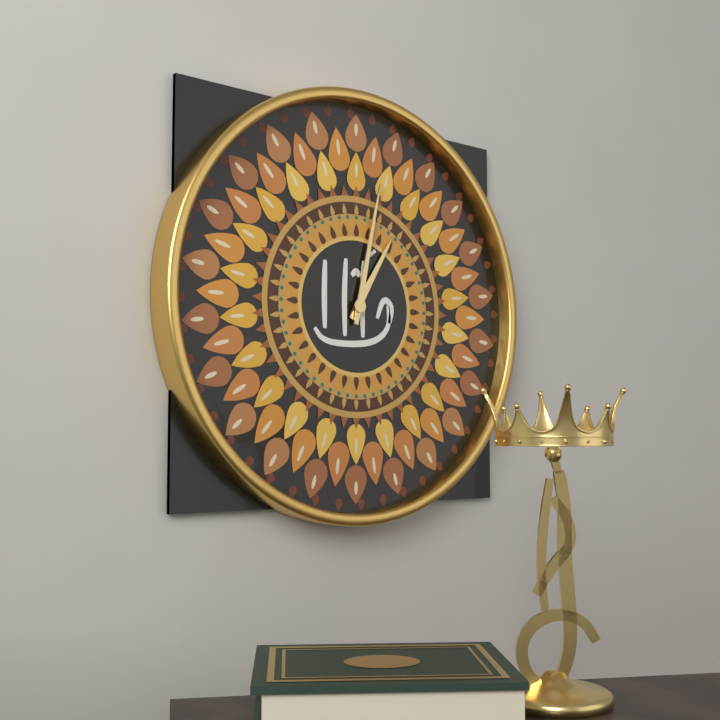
1.02
